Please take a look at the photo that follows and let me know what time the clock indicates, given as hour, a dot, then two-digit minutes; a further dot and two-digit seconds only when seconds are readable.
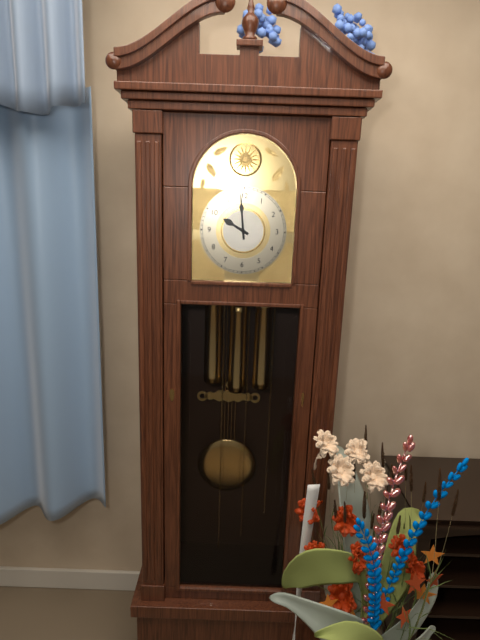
9.59
